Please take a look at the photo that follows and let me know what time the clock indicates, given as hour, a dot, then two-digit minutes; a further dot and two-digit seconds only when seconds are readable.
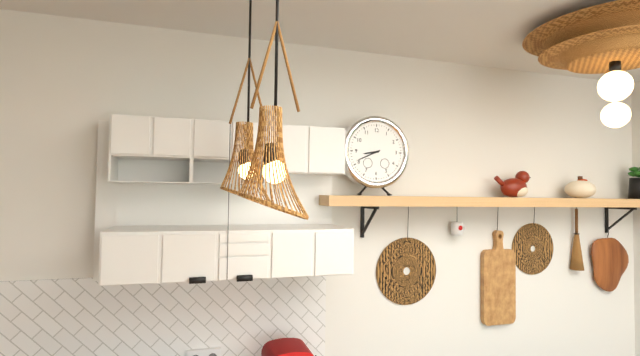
8.41
